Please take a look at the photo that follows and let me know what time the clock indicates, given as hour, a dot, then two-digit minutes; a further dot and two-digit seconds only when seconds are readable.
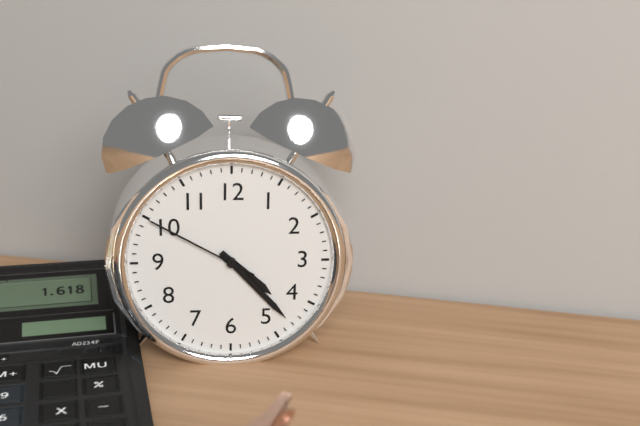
4.23.50
